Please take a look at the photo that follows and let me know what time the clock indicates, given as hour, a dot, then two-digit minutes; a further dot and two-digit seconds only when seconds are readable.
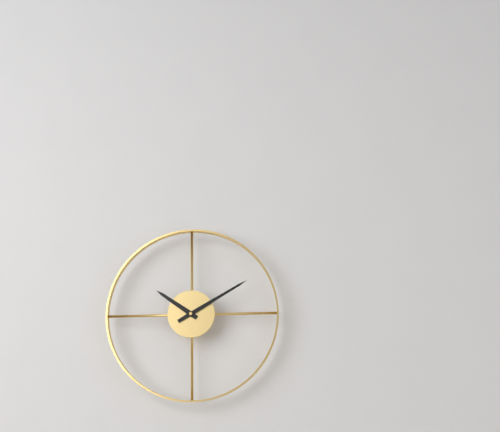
10.10
